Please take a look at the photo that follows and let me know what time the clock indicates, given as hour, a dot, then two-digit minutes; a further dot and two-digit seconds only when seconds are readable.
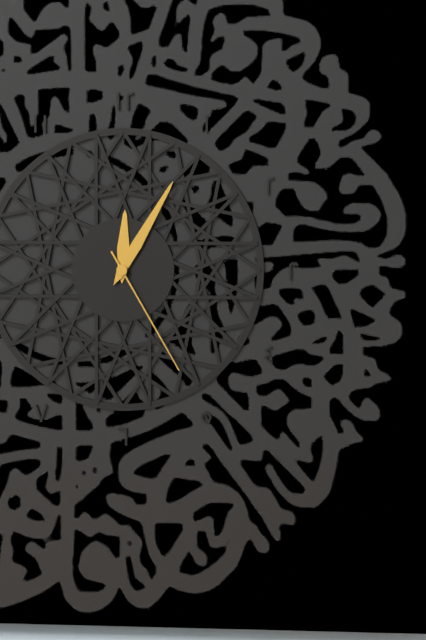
12.05.25
